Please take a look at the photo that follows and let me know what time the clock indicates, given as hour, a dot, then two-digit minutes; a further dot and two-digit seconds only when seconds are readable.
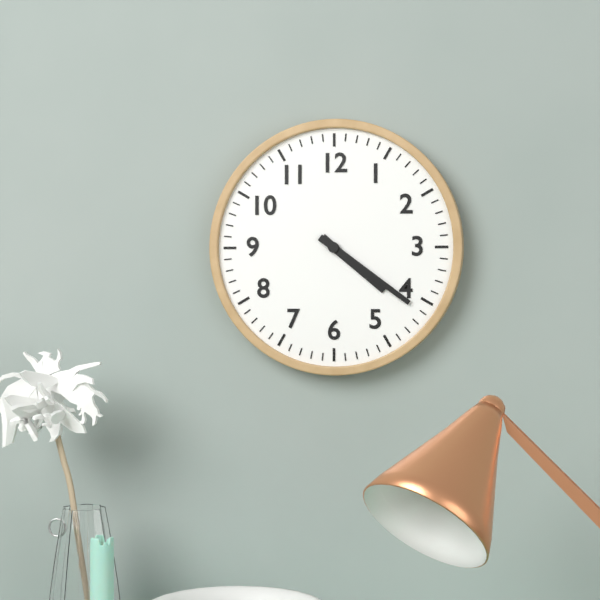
4.21
